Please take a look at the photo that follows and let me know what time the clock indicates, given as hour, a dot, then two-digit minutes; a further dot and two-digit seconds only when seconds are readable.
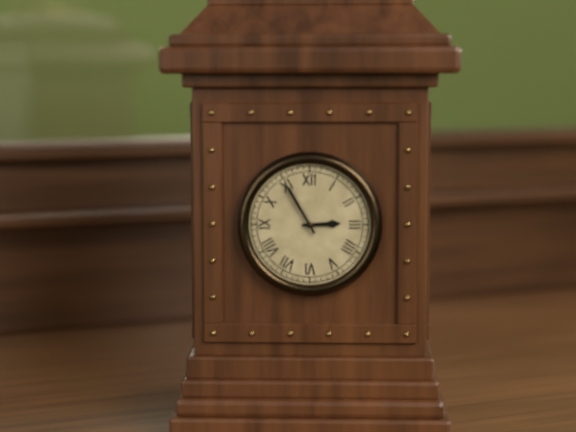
2.55
